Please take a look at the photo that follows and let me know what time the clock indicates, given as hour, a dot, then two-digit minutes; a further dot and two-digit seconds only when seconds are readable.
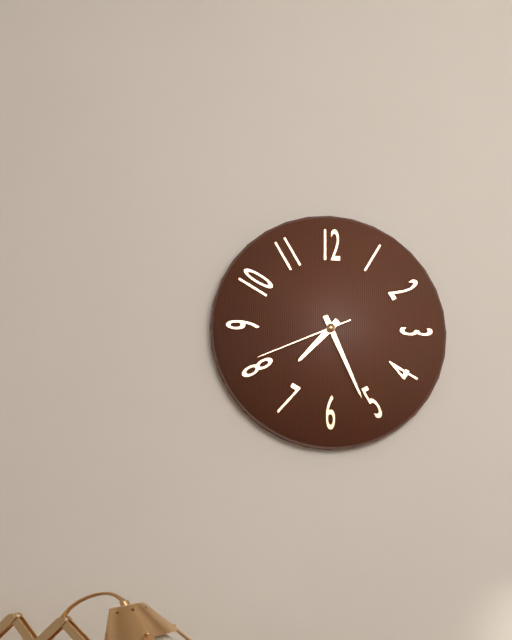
7.26.41
